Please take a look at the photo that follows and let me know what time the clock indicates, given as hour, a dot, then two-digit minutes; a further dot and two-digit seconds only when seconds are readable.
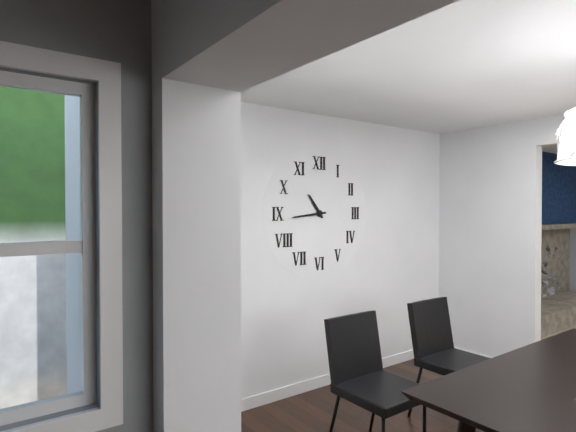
10.44
